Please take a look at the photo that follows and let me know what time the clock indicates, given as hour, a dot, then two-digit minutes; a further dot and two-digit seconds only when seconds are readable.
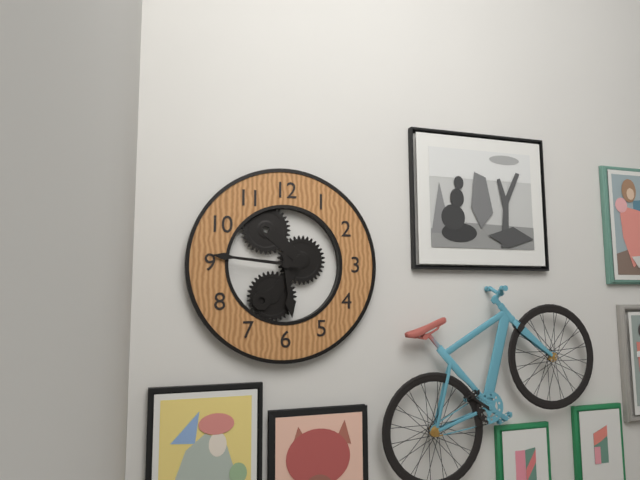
5.46
